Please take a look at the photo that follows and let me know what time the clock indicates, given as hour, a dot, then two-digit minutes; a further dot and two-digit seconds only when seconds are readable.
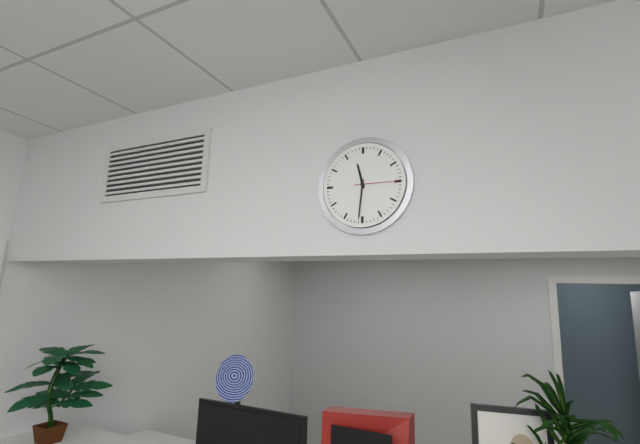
11.31
